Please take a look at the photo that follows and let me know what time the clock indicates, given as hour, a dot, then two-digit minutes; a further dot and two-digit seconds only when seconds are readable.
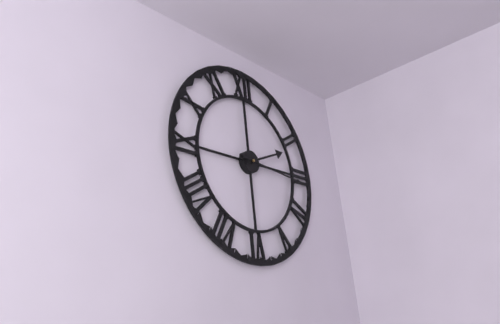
2.16
